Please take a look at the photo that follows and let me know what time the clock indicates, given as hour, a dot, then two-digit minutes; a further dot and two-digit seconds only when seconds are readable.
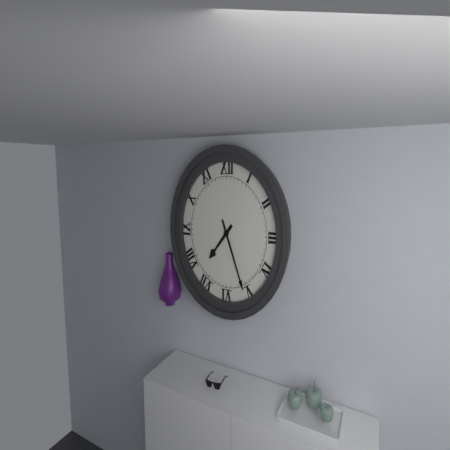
7.26
